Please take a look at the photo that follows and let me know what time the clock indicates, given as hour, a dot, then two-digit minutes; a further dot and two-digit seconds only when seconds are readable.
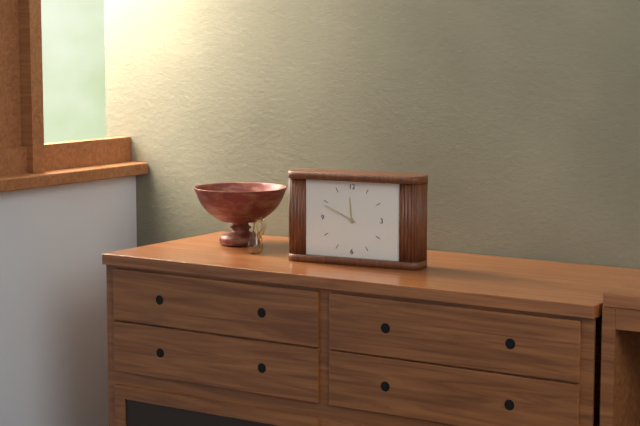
11.49
